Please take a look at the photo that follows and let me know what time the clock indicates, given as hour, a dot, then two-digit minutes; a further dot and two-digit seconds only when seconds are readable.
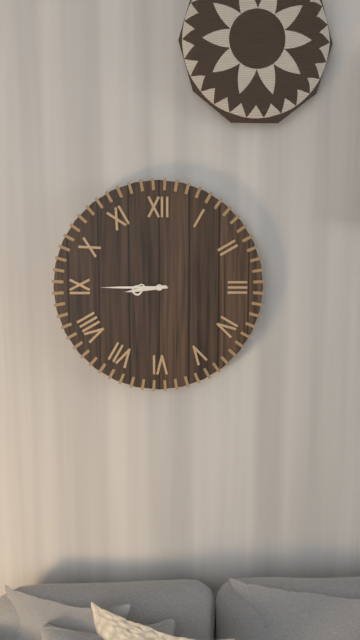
8.45
